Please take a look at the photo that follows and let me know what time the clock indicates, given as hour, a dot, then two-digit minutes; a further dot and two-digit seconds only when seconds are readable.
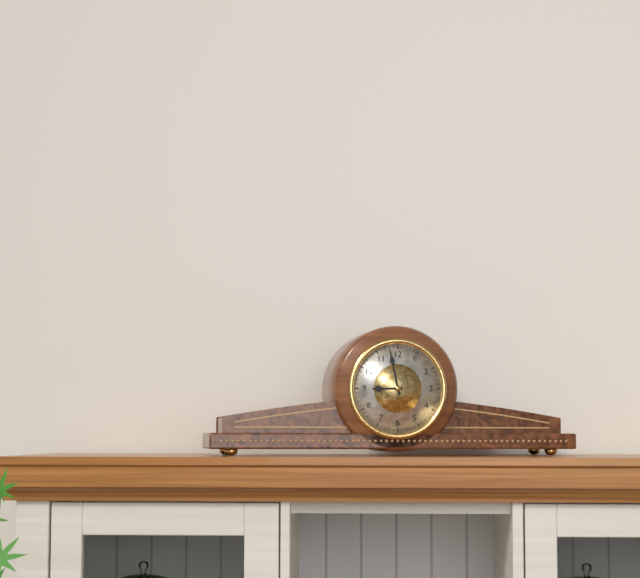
8.58
